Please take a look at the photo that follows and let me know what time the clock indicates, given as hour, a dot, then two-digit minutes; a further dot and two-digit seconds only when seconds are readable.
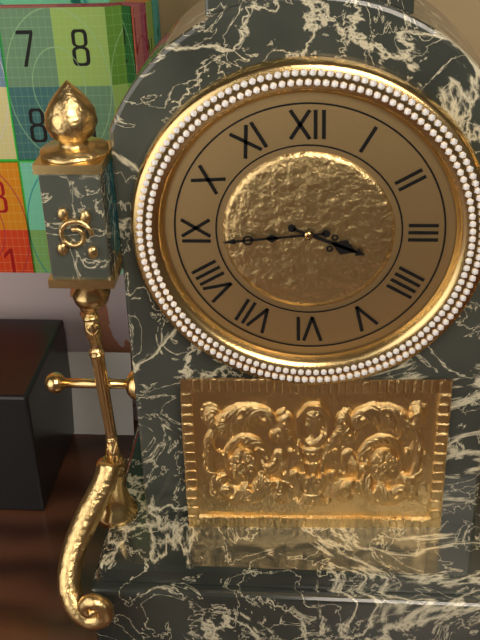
3.44
